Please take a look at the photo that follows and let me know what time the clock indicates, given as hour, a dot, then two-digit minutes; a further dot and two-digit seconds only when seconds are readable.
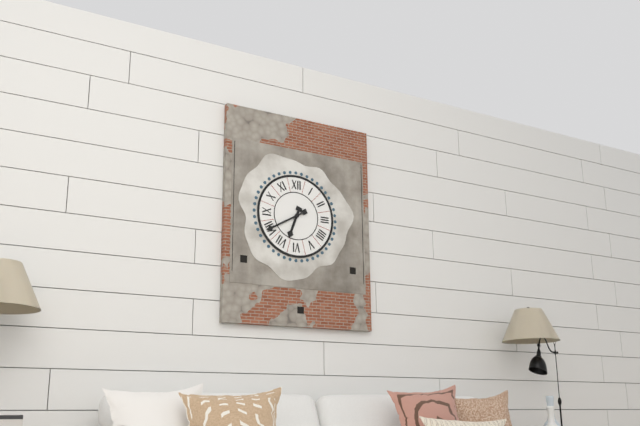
6.40
